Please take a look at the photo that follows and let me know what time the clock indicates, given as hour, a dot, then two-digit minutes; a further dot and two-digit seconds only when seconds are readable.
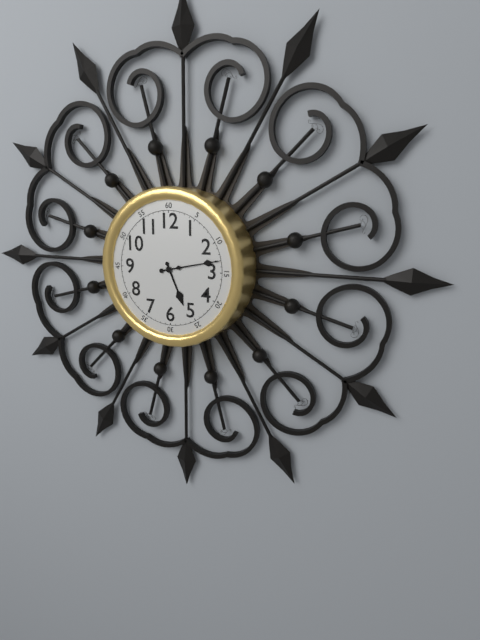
5.13
